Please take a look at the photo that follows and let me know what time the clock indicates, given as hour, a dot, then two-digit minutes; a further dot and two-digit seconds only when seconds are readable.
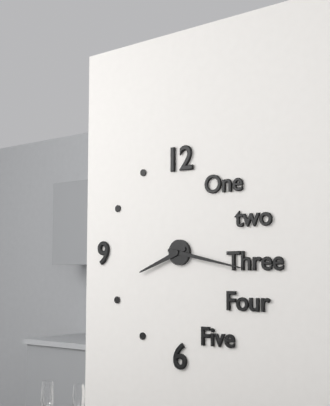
8.17
